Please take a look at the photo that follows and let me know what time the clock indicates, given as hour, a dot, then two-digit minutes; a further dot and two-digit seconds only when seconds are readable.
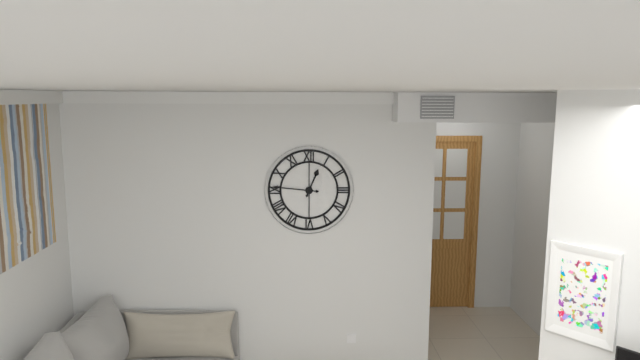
12.46
